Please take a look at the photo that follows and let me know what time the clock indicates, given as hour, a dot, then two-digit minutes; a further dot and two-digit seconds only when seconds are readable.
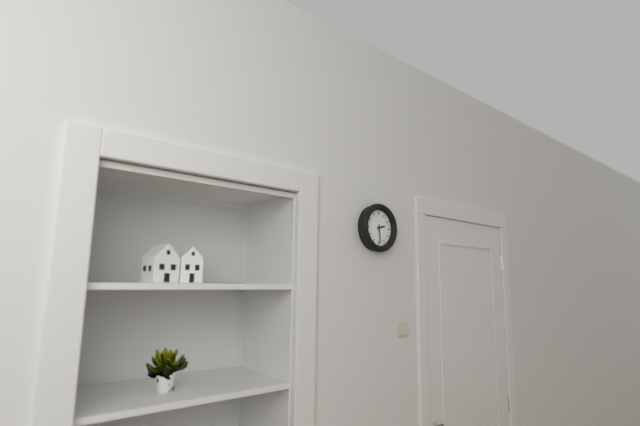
2.29
